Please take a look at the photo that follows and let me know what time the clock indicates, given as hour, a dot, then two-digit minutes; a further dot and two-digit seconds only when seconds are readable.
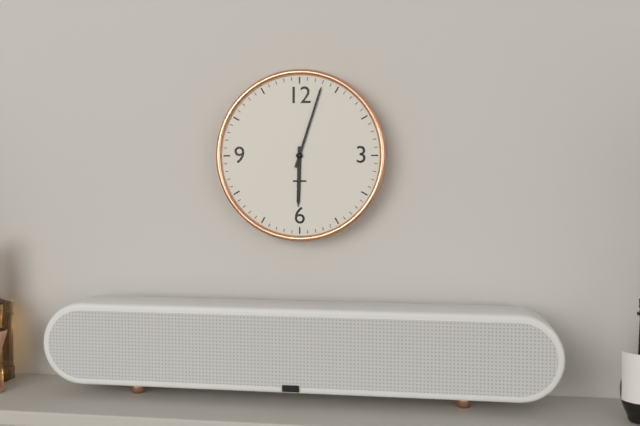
6.03
